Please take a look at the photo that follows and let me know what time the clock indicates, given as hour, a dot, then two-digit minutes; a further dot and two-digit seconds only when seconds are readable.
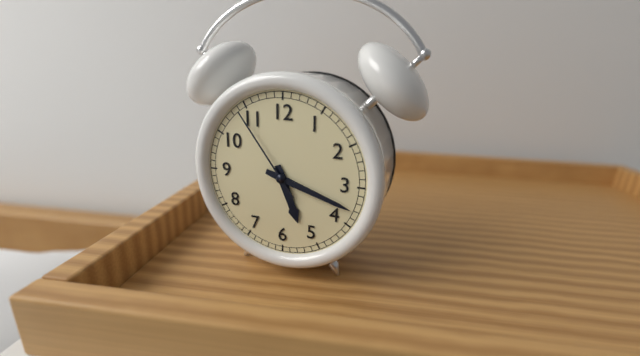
5.18.54
